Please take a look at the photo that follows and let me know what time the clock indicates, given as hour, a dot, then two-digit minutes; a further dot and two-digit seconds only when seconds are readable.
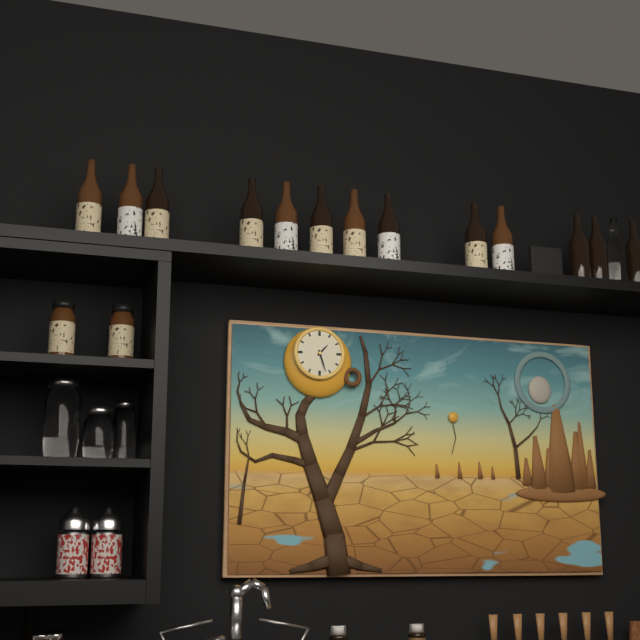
1.27
